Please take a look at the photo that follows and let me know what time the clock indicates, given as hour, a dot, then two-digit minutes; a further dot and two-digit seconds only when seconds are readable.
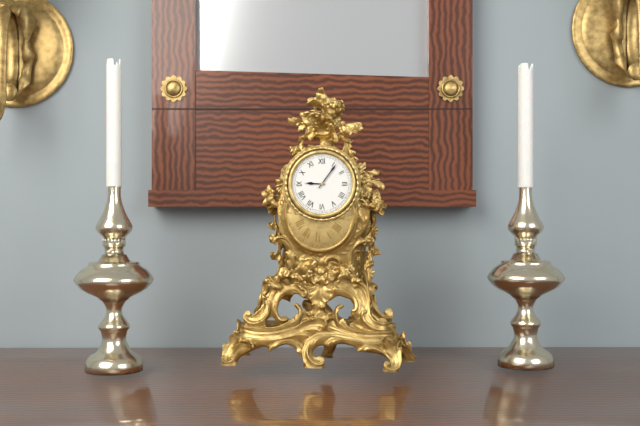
9.06
